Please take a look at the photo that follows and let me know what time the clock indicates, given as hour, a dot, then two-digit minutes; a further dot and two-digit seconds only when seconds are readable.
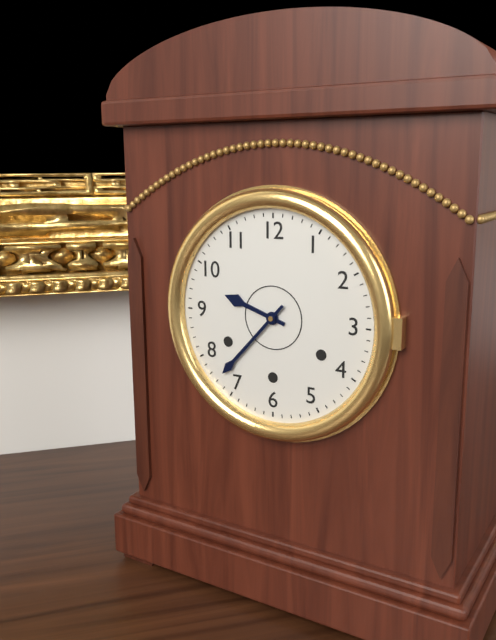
9.37
